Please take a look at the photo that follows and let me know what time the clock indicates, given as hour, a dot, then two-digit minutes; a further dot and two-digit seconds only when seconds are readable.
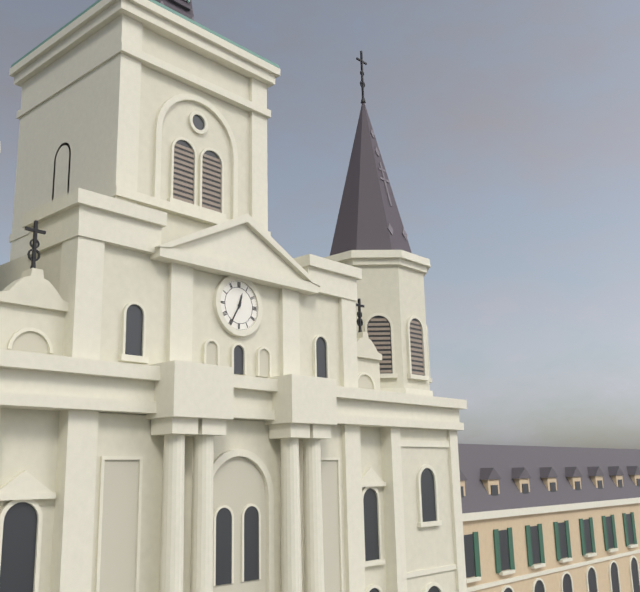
12.35
